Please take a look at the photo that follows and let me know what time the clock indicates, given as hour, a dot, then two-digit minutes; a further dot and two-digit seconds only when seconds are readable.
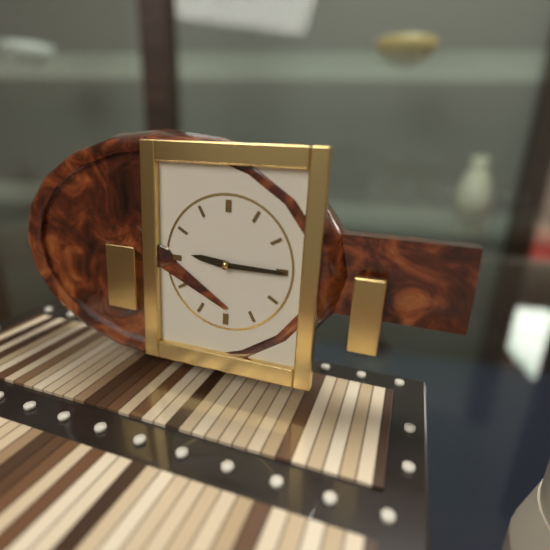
9.15
